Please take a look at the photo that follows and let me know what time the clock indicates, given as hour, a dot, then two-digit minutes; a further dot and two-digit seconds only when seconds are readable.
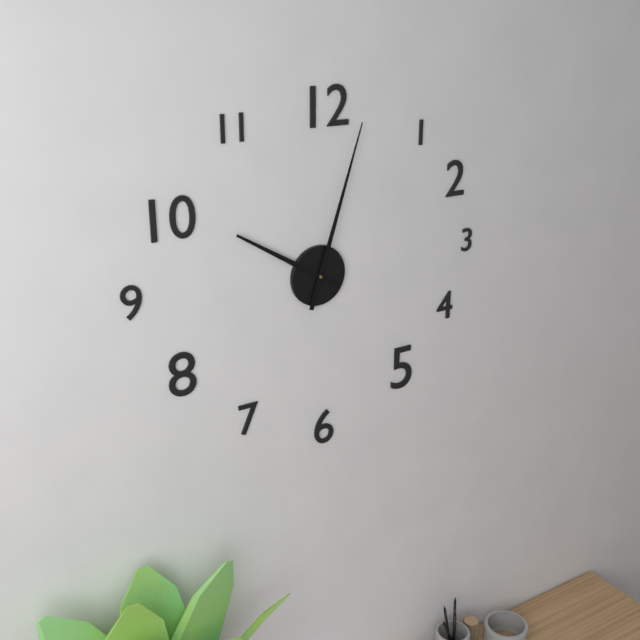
10.03
